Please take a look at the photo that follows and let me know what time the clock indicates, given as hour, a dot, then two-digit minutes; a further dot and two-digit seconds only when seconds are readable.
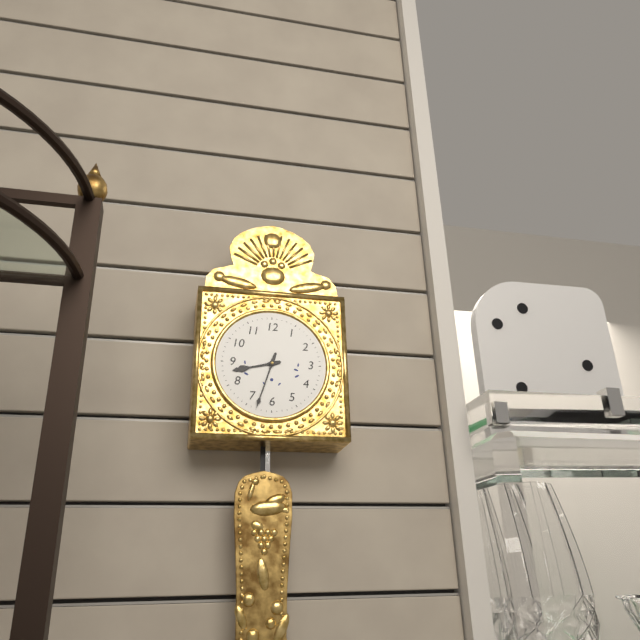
8.33
